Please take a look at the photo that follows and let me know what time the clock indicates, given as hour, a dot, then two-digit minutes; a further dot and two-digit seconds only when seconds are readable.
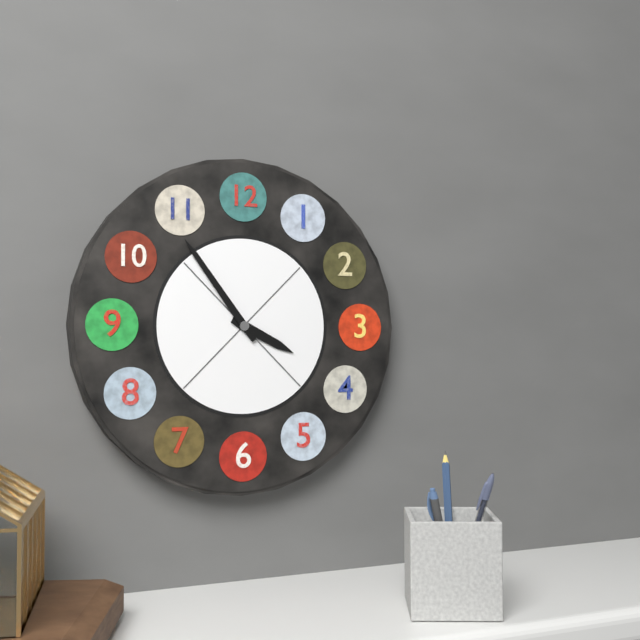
3.54
